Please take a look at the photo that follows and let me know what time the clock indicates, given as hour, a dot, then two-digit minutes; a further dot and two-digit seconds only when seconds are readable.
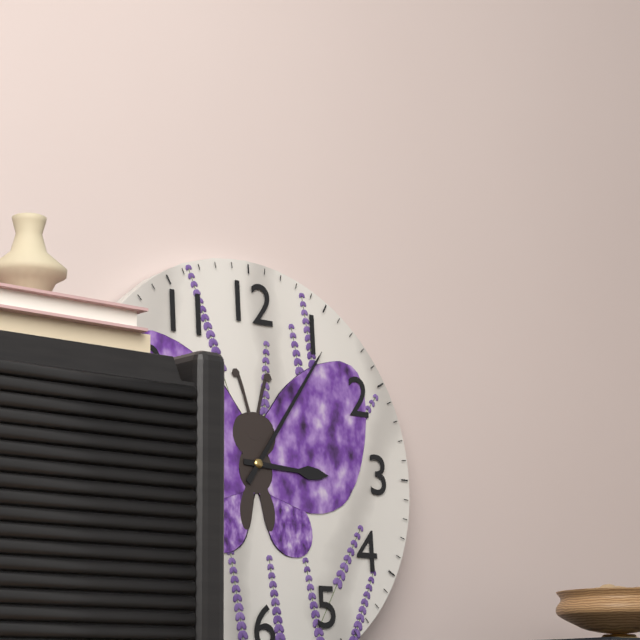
3.06
